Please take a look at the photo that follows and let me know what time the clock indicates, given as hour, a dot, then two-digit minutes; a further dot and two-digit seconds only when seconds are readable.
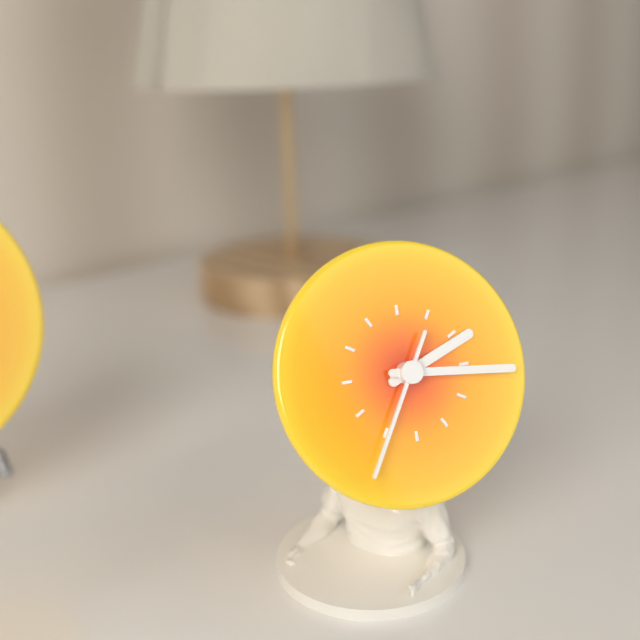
2.16.35
